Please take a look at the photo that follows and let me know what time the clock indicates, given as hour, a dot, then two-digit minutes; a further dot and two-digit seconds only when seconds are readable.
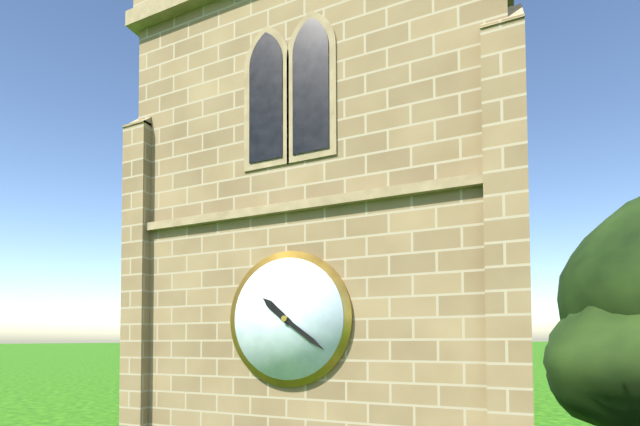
10.21
